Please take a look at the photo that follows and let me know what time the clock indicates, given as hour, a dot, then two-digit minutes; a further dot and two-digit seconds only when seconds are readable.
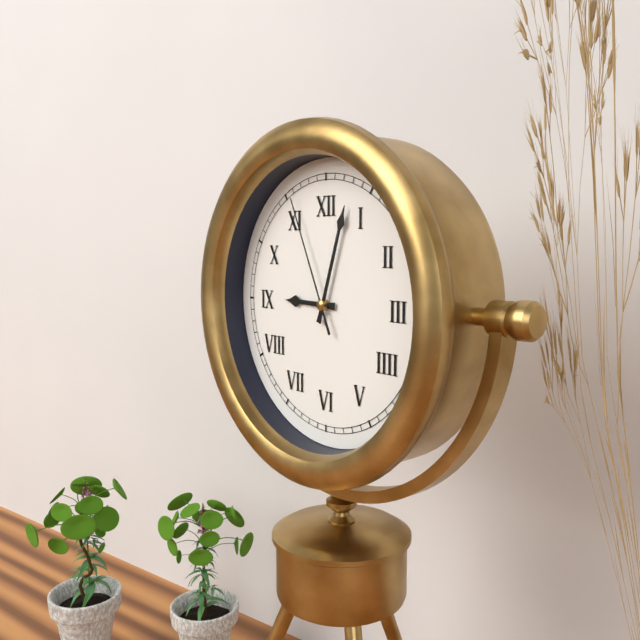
9.03.56
